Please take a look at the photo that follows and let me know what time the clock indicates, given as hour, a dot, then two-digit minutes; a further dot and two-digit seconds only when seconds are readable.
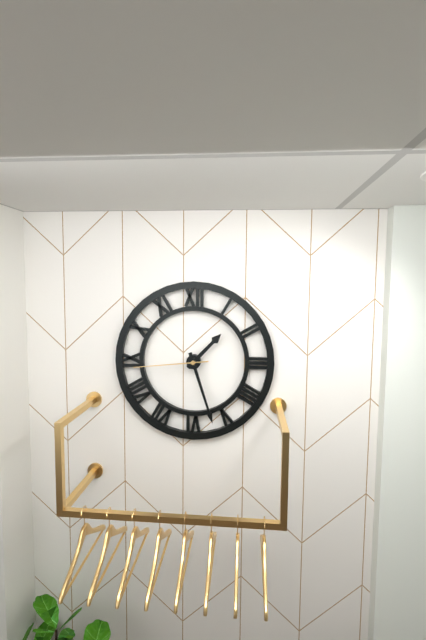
1.27.44
